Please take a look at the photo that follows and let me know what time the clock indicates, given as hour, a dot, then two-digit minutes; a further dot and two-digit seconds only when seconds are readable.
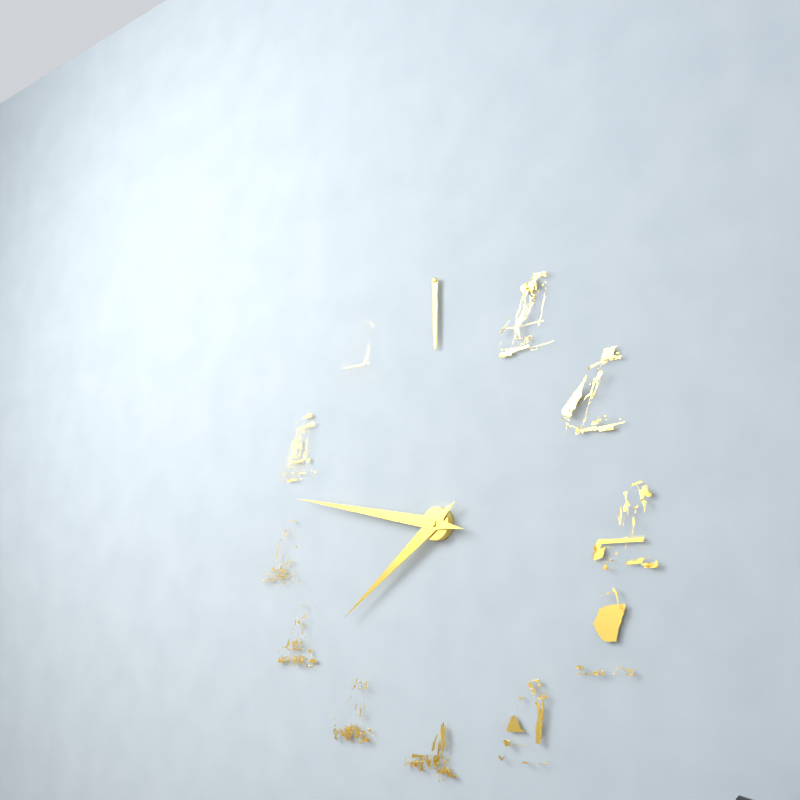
7.47
